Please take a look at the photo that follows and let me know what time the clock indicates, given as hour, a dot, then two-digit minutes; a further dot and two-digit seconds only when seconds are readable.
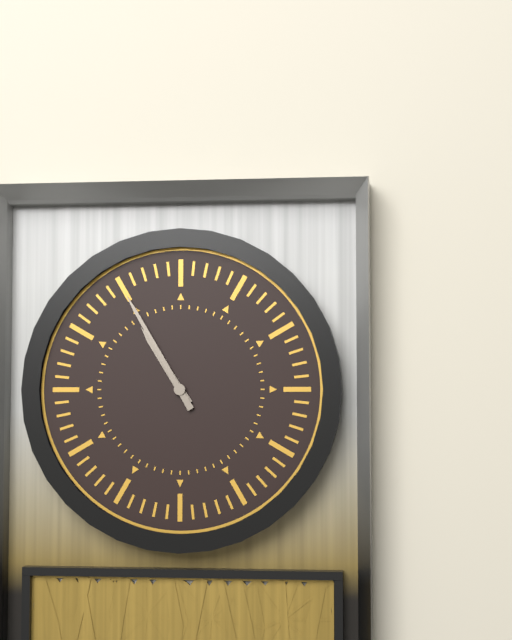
10.55
